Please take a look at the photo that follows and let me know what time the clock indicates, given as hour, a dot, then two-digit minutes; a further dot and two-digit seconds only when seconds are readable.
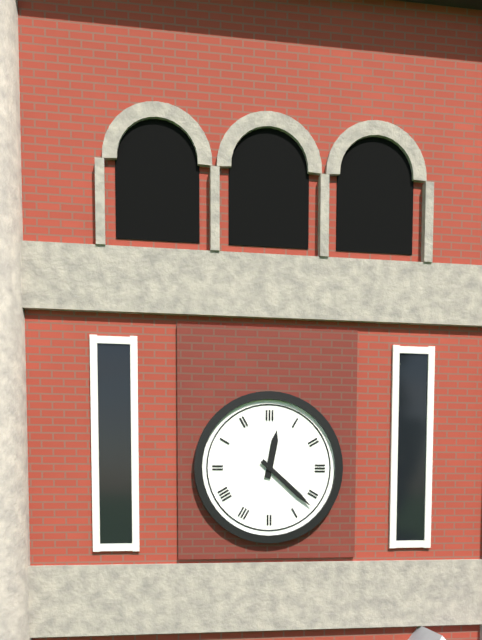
12.22
